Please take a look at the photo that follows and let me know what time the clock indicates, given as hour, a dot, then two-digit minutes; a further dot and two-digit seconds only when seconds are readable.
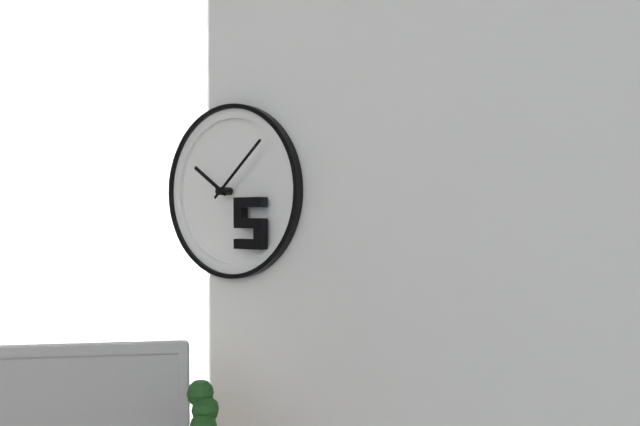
10.08
